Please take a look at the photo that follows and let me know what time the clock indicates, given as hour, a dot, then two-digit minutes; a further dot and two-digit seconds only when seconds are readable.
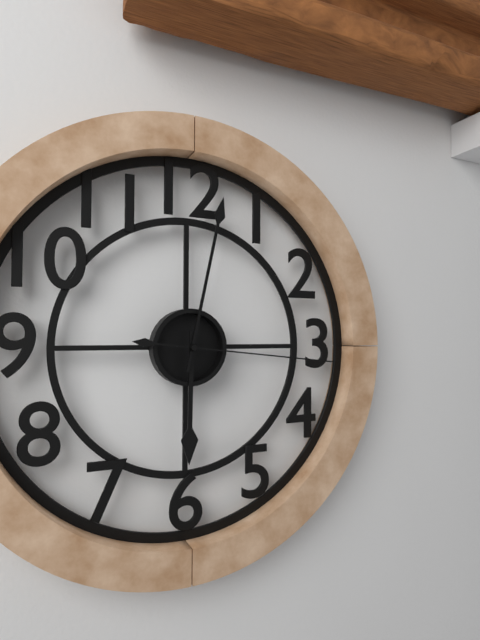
6.02.16
